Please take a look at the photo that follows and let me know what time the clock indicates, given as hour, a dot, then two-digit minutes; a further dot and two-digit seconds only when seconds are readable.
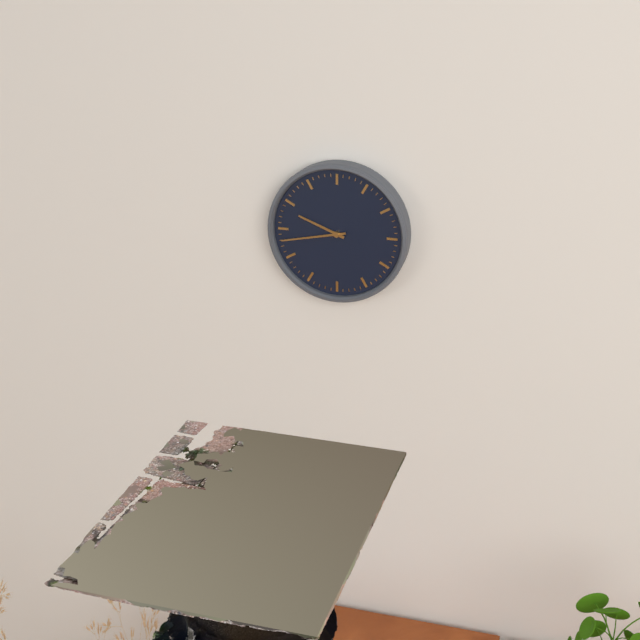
9.43
